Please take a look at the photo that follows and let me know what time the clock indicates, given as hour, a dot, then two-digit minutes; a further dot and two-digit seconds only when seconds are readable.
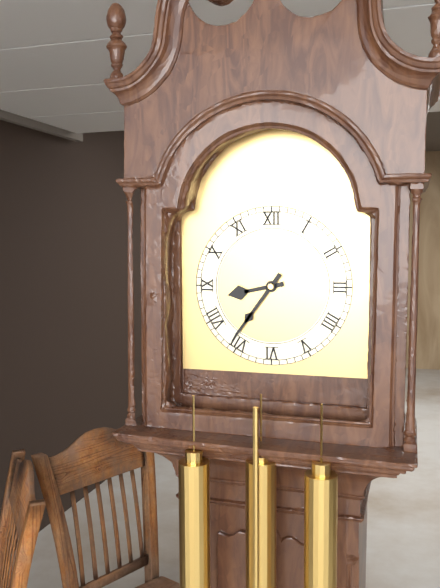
8.36
